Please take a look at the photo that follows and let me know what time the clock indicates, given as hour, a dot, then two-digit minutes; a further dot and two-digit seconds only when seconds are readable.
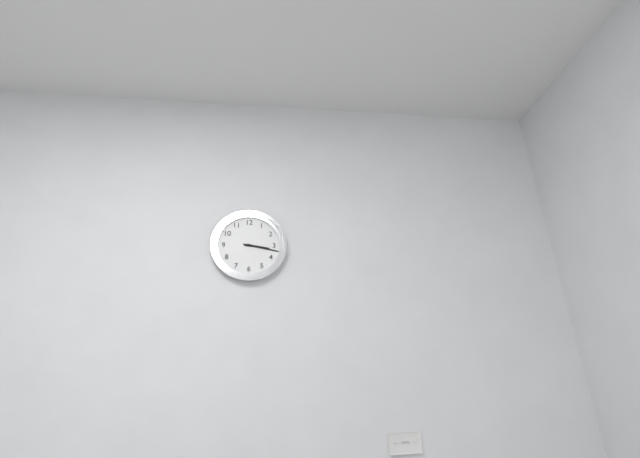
3.17
